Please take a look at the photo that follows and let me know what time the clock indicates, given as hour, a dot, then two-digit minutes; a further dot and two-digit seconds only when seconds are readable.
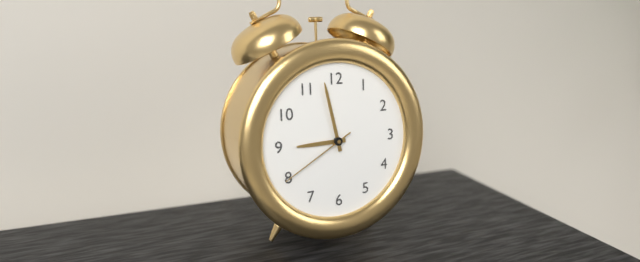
8.58.40
